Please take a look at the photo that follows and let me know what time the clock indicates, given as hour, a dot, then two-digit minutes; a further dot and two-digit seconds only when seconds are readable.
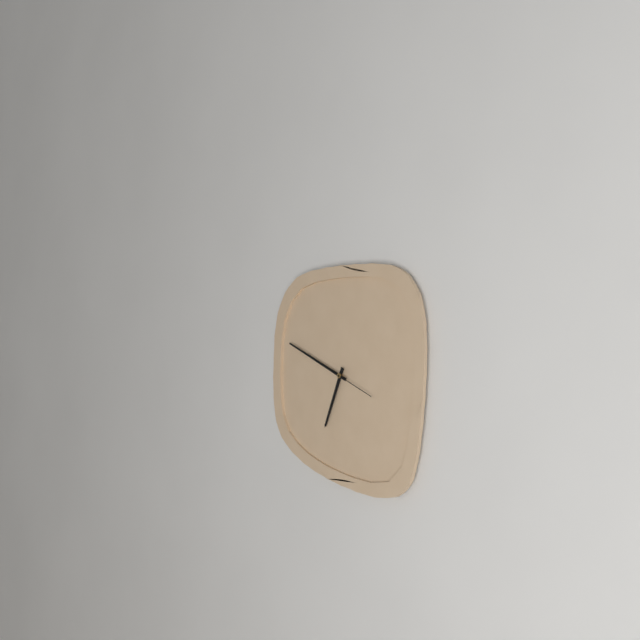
6.49
